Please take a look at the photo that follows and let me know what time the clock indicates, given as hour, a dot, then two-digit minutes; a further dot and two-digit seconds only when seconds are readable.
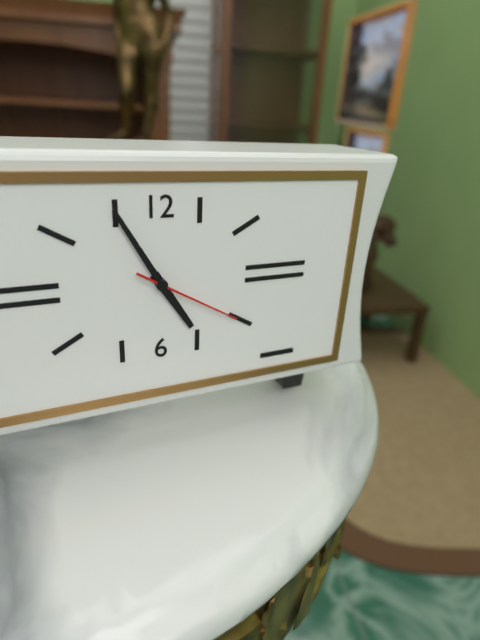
4.55.20
